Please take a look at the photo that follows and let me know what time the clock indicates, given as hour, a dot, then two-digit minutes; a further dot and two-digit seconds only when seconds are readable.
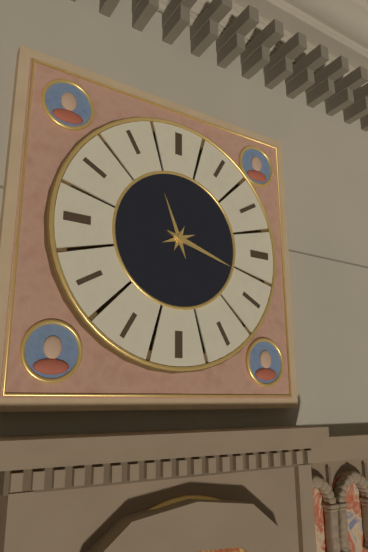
11.18
